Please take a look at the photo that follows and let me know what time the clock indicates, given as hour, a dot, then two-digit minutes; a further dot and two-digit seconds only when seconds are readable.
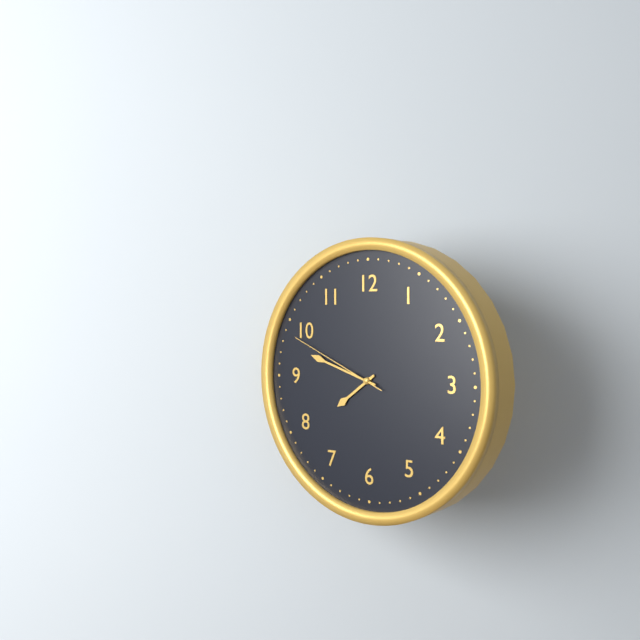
7.48.49
